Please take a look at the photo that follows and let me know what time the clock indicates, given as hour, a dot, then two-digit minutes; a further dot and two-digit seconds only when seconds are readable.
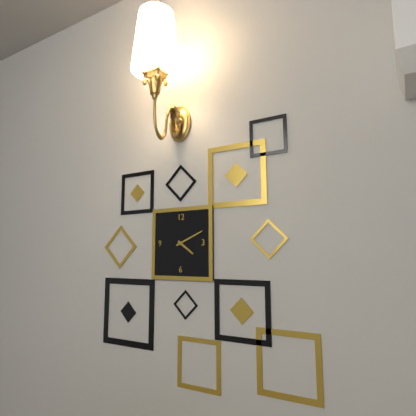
4.11
